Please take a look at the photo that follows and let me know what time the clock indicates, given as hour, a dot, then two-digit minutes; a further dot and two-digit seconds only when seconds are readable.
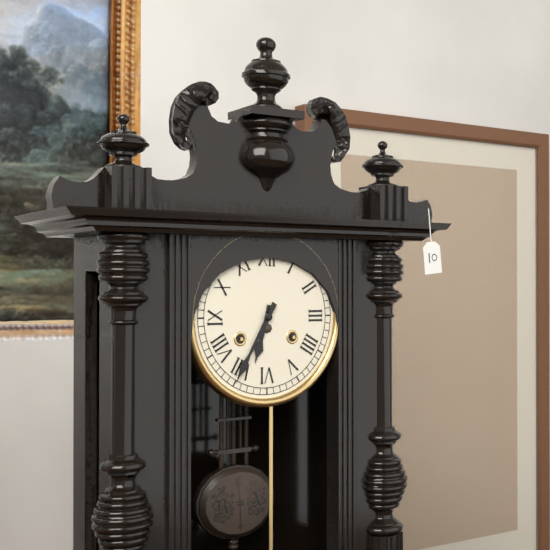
6.35
